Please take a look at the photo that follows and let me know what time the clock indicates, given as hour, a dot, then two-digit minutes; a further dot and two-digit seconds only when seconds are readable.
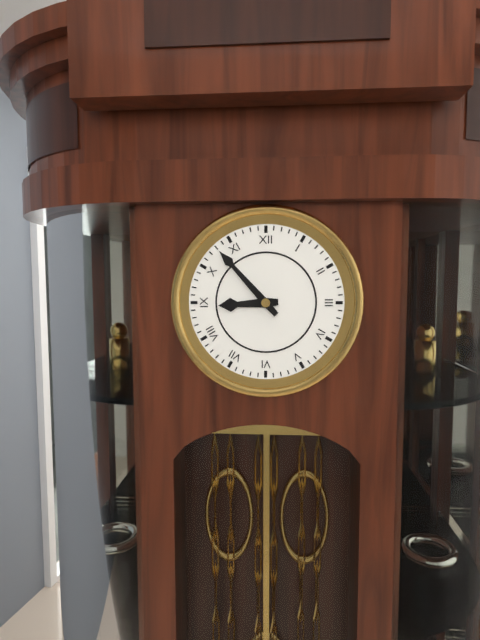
8.53
